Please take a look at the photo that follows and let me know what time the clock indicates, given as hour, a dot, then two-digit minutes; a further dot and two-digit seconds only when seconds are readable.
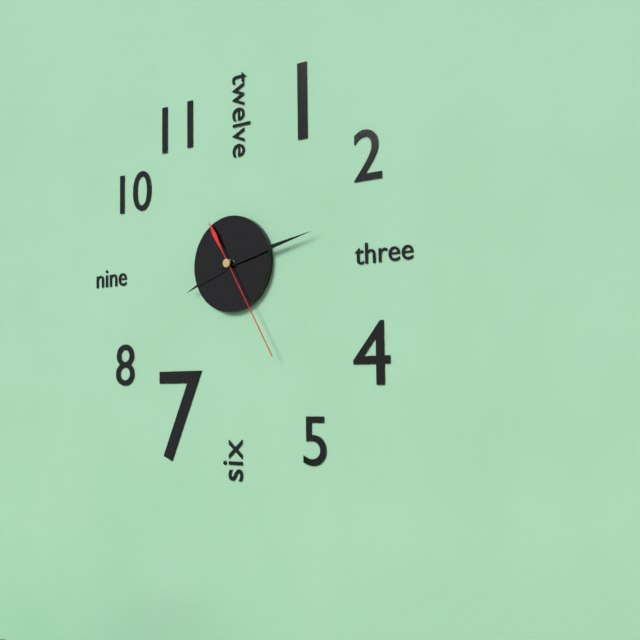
8.13.25
